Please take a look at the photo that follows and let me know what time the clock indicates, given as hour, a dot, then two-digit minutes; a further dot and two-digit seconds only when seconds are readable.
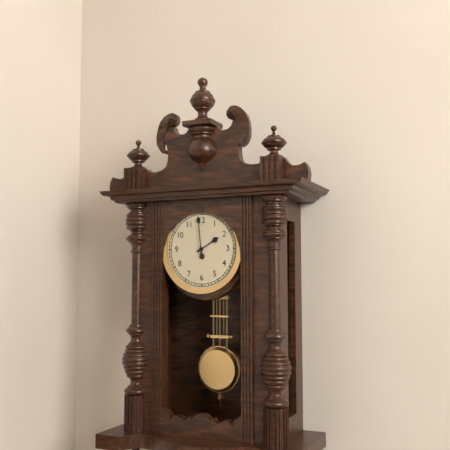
1.59
